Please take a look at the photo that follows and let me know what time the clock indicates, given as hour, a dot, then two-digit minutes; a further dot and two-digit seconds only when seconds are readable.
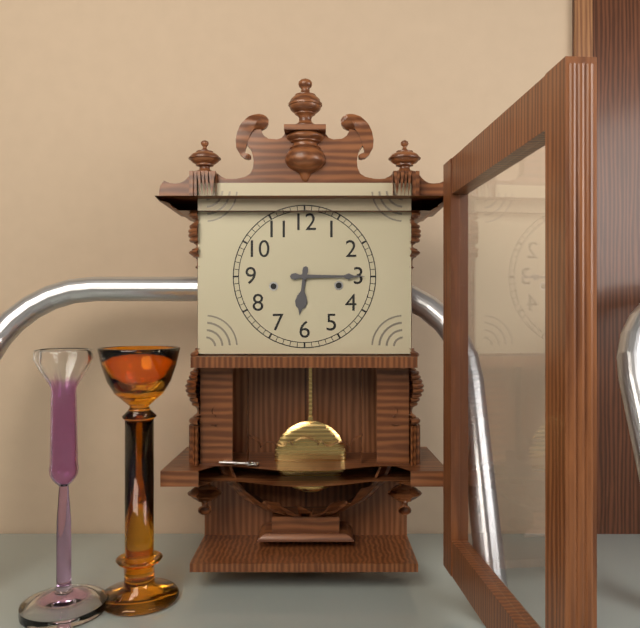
6.15
